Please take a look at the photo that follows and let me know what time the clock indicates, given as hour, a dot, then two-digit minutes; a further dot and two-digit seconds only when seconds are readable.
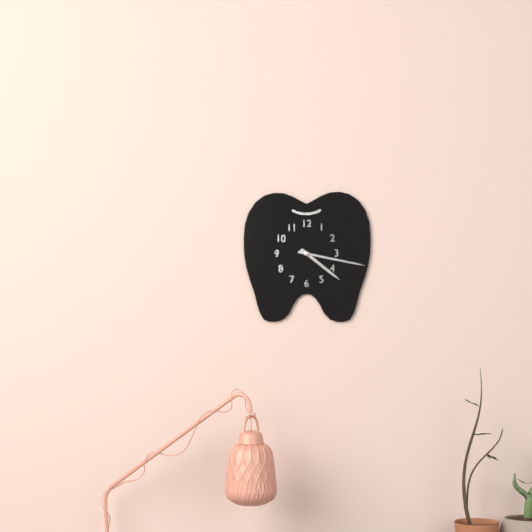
4.17
